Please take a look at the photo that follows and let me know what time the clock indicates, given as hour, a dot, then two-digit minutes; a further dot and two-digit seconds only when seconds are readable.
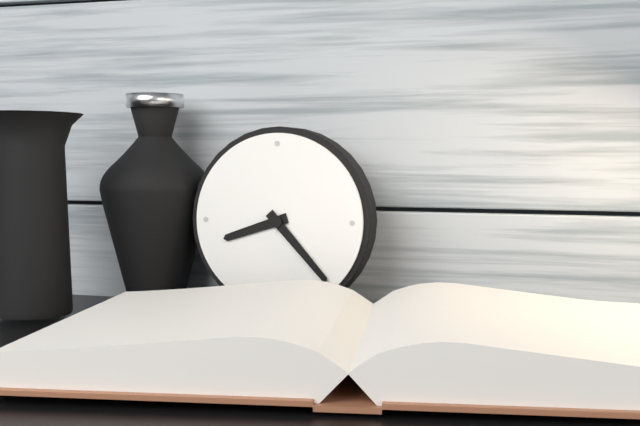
8.23
